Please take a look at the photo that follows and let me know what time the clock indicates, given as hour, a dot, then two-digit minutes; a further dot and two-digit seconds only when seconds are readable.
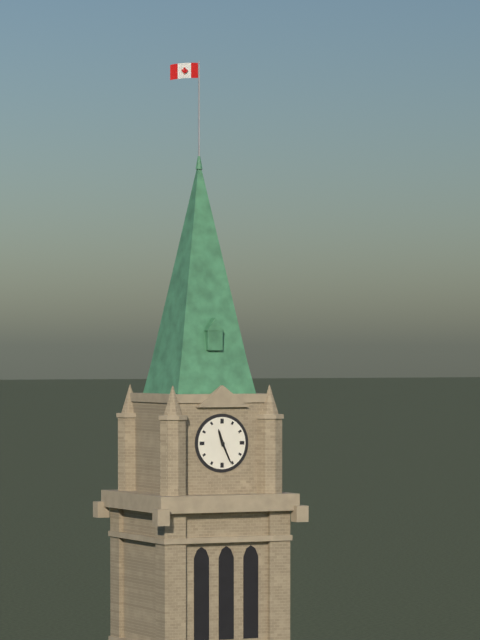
11.26
